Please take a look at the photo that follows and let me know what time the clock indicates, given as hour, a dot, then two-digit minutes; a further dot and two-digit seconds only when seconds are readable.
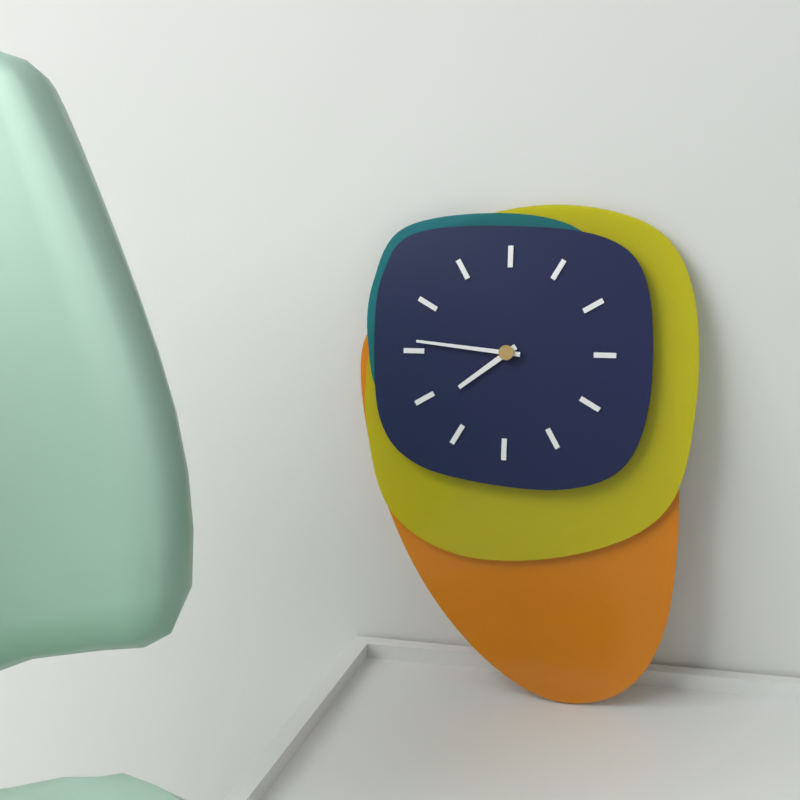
7.46
